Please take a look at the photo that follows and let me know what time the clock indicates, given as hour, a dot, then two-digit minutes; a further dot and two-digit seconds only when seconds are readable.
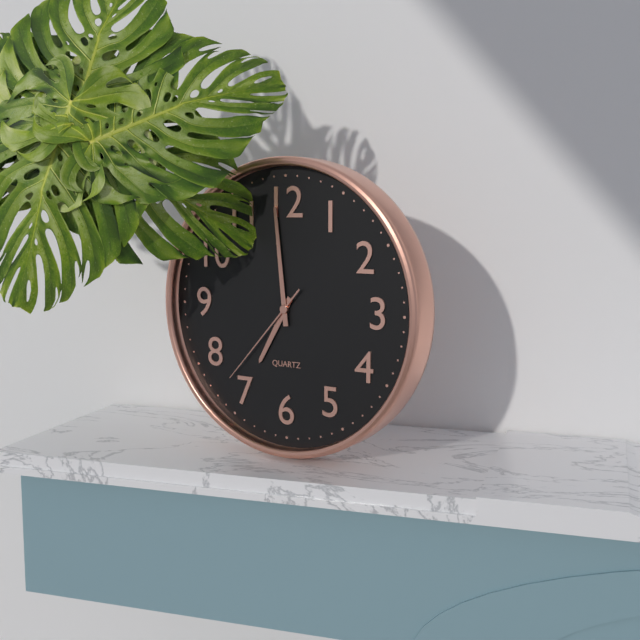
6.59.37
